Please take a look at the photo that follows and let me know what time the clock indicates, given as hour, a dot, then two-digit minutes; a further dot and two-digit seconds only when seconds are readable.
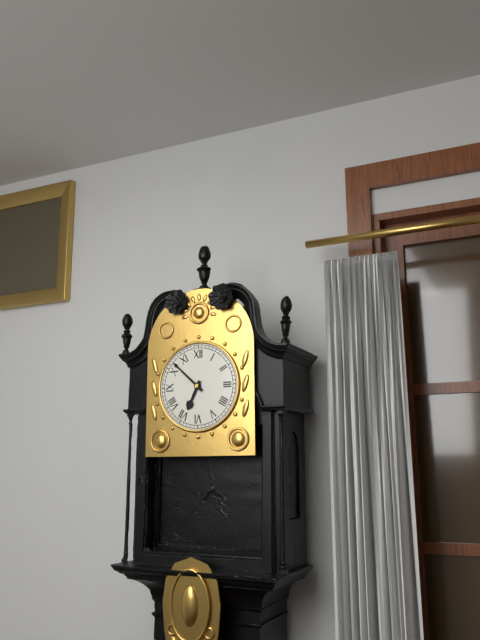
6.52
